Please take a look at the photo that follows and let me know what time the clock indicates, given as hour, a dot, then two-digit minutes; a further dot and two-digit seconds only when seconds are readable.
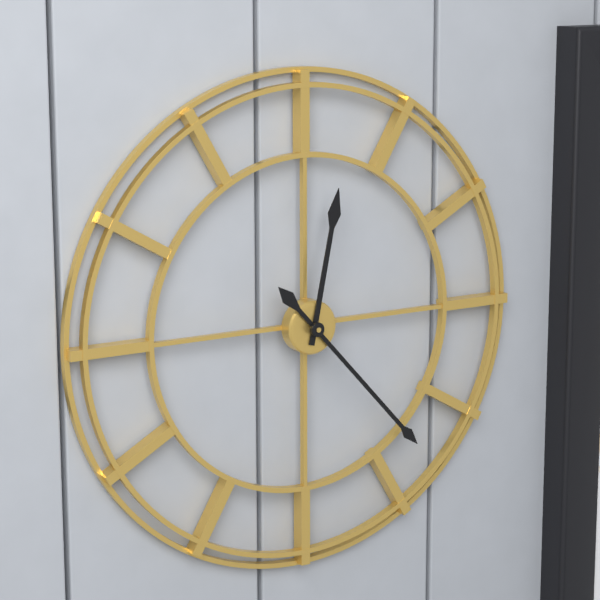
12.23
